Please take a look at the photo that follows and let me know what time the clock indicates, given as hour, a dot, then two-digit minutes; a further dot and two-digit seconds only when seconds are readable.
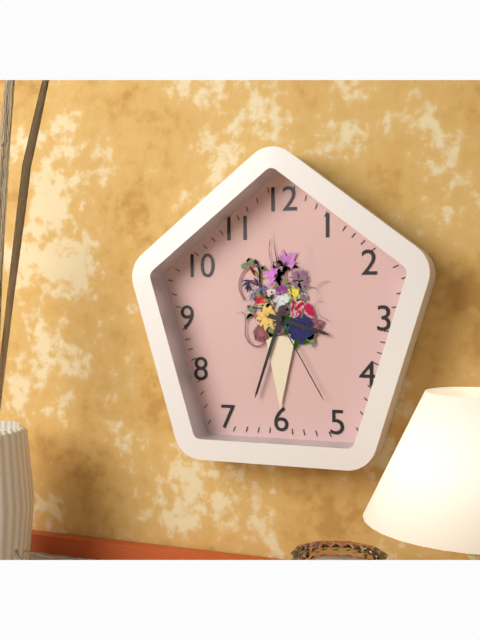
3.33.25
